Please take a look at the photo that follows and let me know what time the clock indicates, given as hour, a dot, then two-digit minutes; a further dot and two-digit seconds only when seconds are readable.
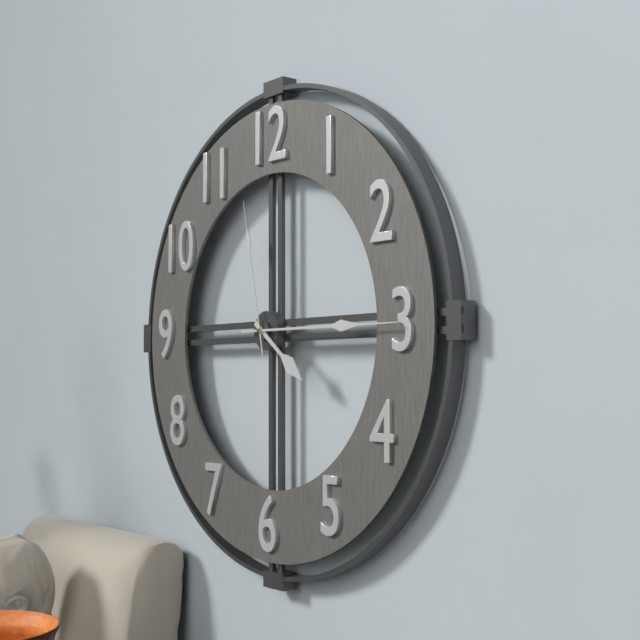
4.15.58
